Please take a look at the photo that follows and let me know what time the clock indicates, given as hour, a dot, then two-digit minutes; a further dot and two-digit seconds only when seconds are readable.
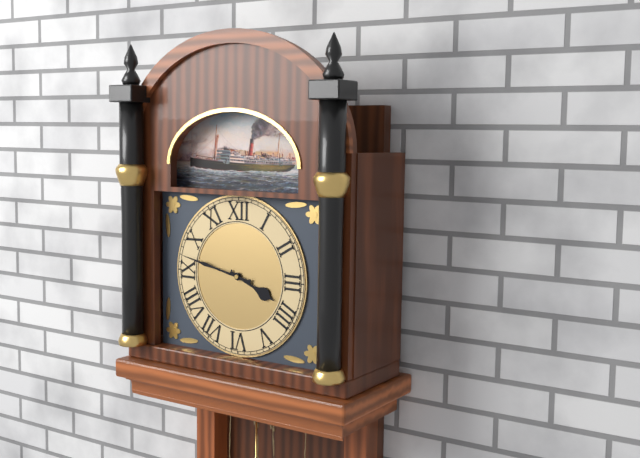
3.47
